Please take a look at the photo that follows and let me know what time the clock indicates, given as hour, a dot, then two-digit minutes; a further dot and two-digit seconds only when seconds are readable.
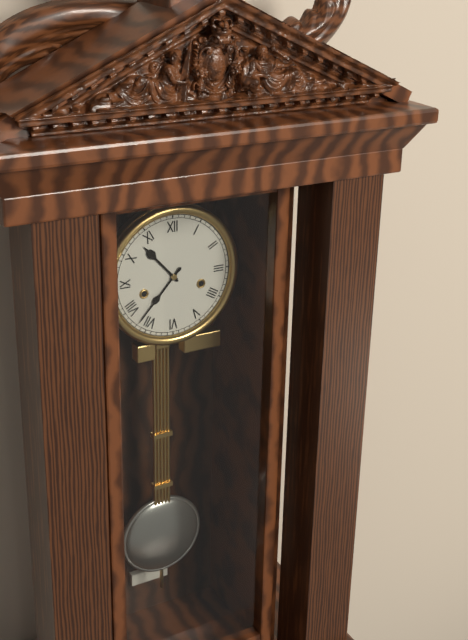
10.37
